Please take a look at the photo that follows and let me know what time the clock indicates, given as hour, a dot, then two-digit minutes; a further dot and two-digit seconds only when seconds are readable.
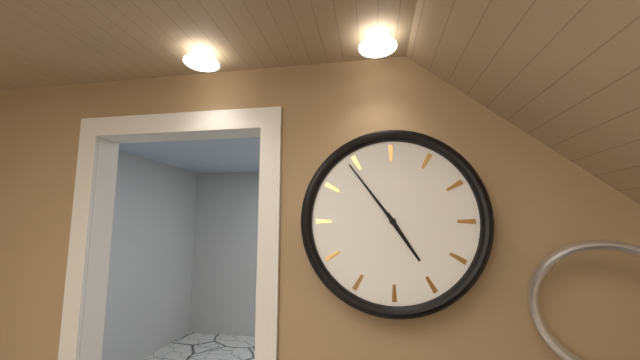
4.54
